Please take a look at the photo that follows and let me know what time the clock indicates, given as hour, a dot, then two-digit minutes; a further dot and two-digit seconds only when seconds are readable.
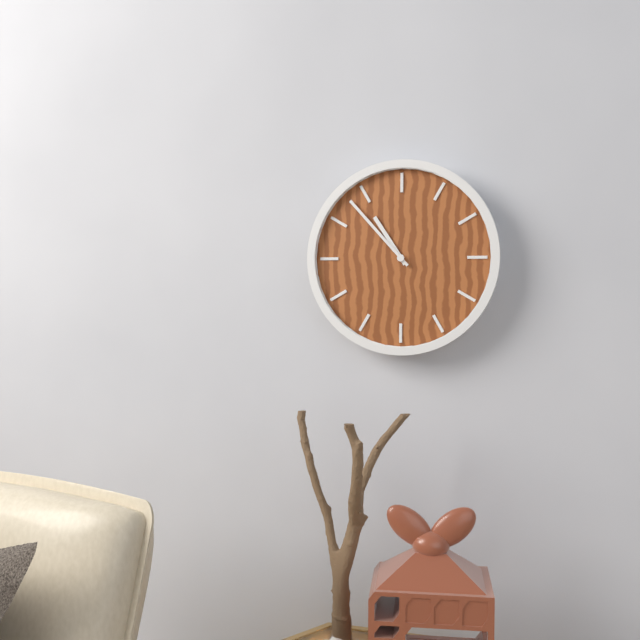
10.53
